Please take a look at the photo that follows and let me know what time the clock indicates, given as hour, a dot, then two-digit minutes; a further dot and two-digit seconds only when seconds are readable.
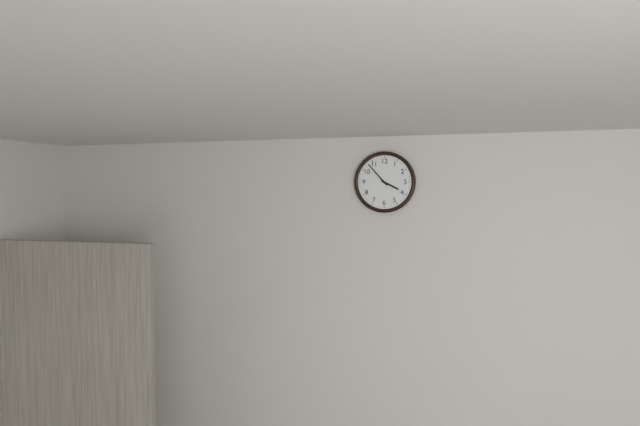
3.53
